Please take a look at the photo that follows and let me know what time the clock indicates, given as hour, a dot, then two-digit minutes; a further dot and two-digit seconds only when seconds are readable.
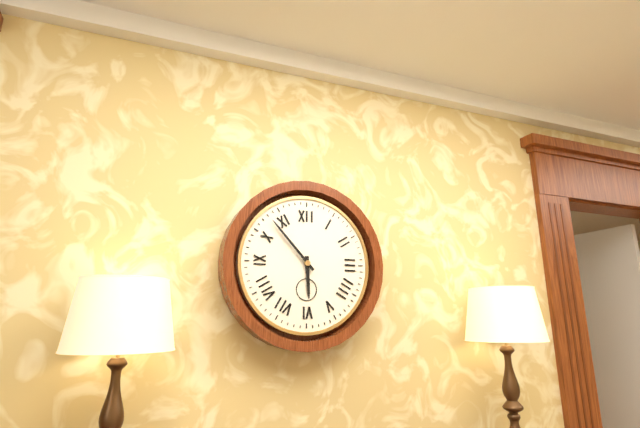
5.53
